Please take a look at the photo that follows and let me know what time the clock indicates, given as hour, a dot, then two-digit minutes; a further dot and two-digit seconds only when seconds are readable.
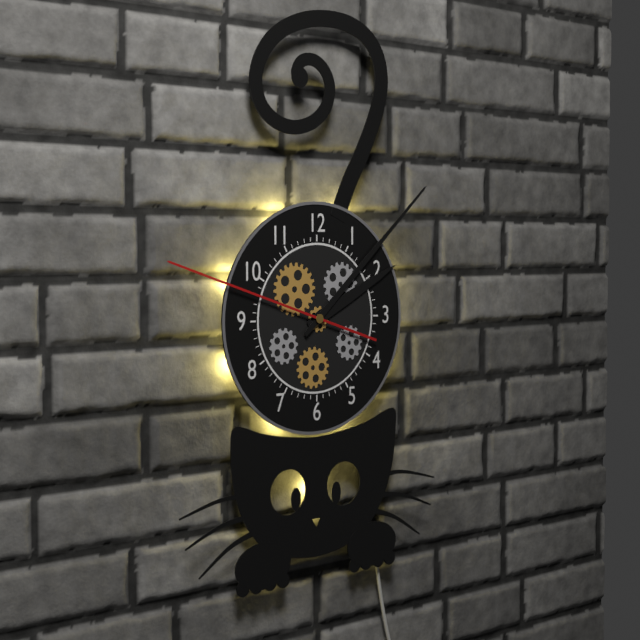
2.08.48
